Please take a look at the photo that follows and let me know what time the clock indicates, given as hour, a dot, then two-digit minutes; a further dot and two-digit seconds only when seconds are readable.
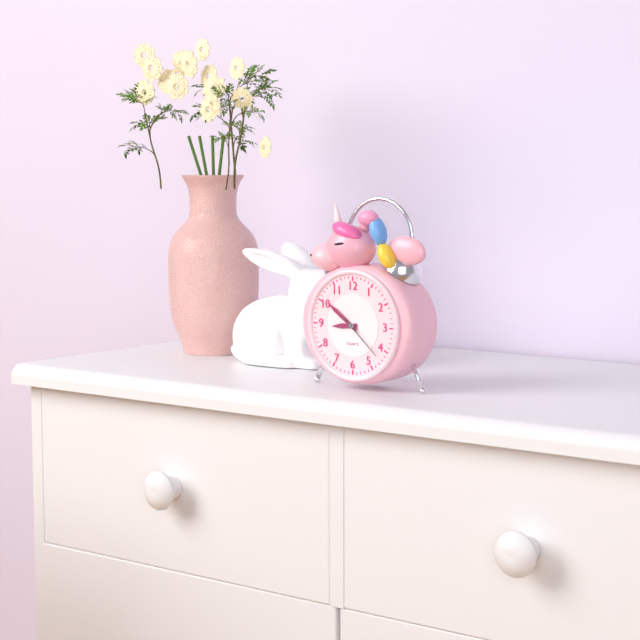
8.51
